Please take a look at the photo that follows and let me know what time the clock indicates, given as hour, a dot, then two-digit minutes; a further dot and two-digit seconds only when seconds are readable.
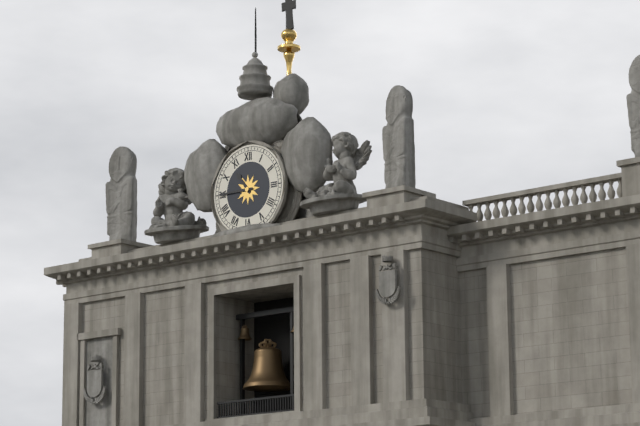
10.45
